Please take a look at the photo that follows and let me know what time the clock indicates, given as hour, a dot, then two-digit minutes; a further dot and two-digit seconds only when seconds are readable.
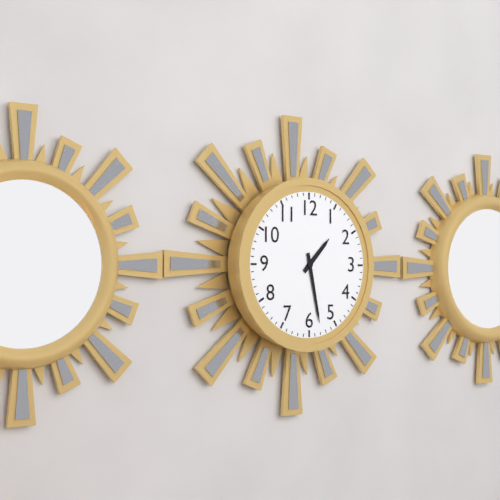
1.28
